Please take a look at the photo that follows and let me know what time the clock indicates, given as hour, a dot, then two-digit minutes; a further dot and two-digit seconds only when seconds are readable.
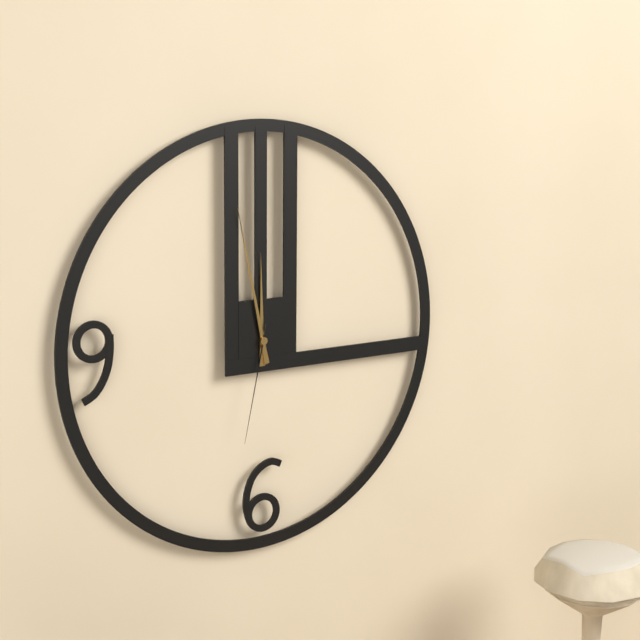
11.58.32
